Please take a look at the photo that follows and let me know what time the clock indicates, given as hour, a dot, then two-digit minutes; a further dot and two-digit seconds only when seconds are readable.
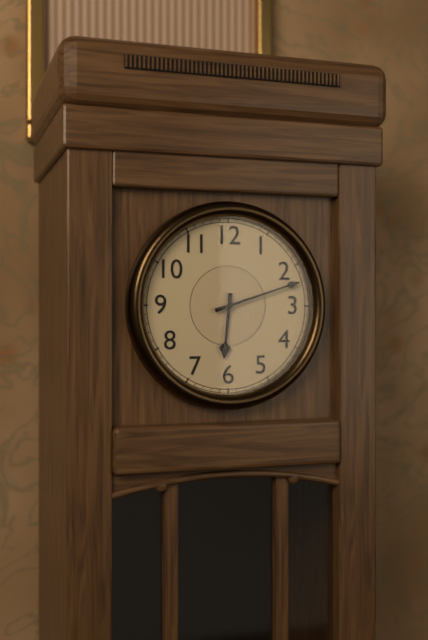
6.12
